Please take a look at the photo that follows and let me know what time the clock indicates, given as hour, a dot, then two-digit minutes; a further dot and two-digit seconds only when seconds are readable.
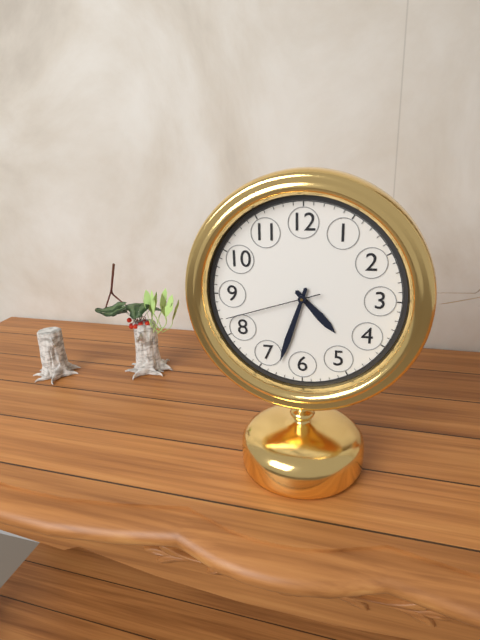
4.33.42
